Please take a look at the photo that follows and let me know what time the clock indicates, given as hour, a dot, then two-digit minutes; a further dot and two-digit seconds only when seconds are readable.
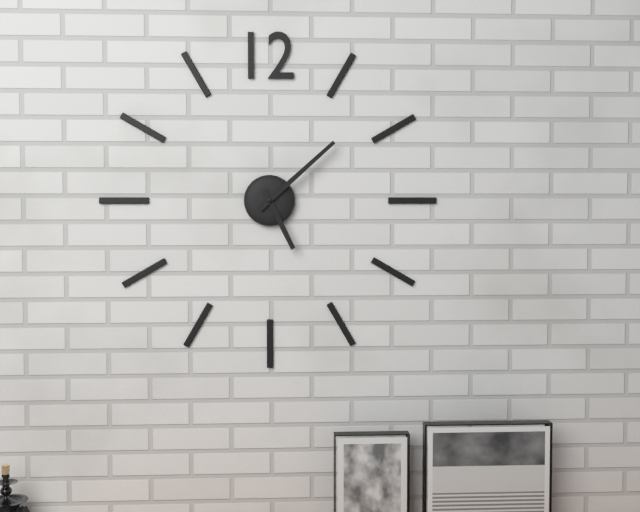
5.08
